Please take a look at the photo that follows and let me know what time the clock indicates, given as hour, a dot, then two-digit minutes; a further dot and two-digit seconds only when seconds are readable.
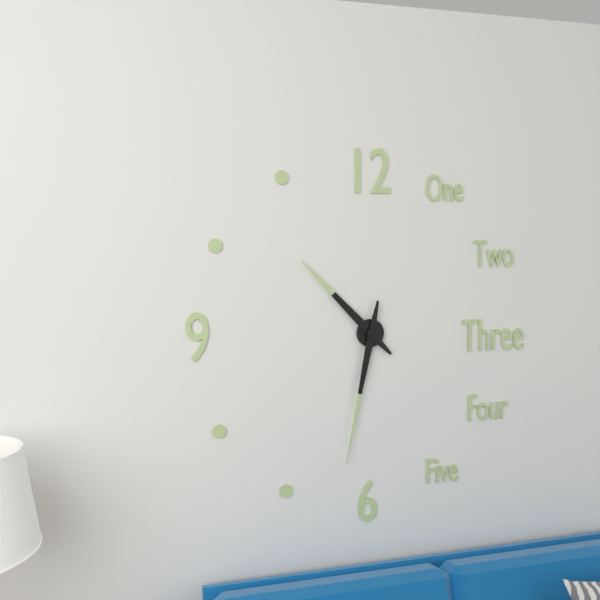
10.32
